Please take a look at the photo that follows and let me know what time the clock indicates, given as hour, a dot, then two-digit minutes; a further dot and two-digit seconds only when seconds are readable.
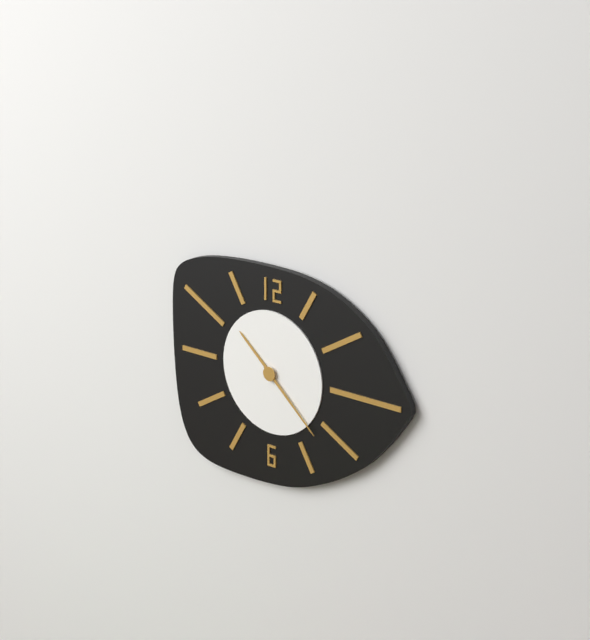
10.22
